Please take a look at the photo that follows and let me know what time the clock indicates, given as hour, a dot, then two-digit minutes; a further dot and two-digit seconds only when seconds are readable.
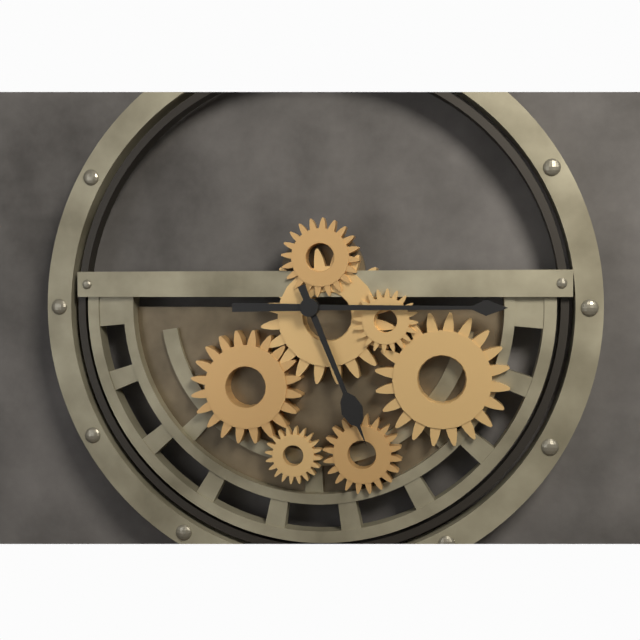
5.15
